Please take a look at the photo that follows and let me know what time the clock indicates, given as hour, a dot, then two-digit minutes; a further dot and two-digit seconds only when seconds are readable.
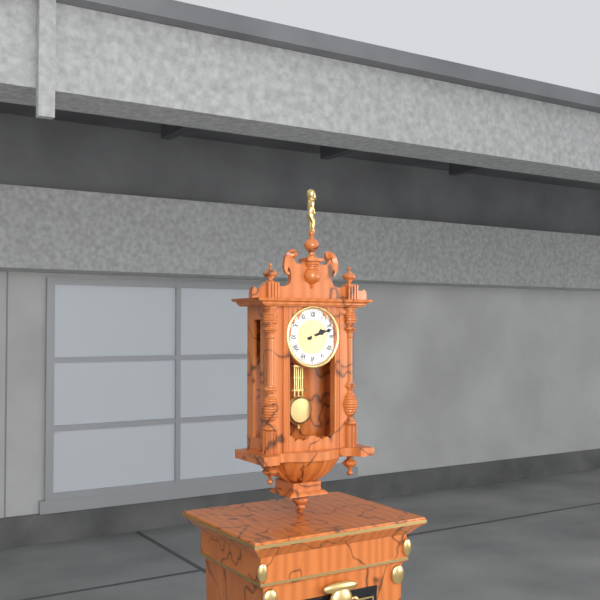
2.12
